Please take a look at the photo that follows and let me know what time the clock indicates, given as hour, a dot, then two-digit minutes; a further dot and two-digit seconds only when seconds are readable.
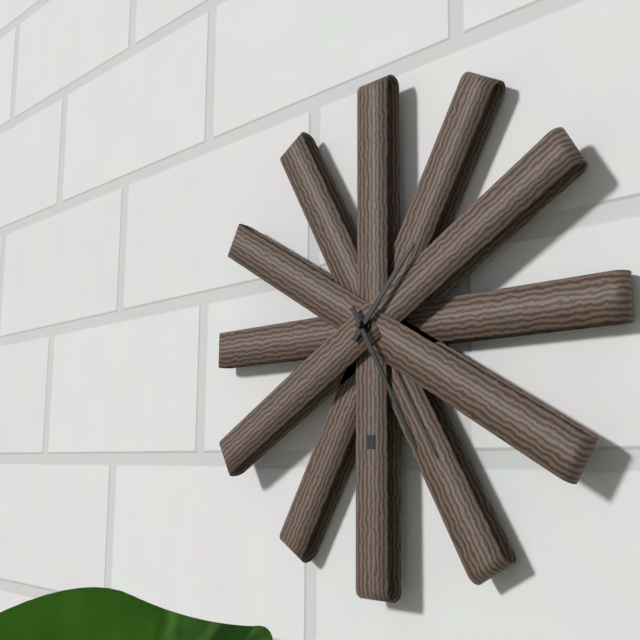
1.25
